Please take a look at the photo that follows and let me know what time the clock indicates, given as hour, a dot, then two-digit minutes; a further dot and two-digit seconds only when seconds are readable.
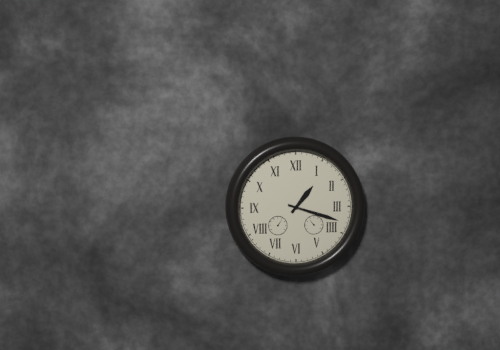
1.18
